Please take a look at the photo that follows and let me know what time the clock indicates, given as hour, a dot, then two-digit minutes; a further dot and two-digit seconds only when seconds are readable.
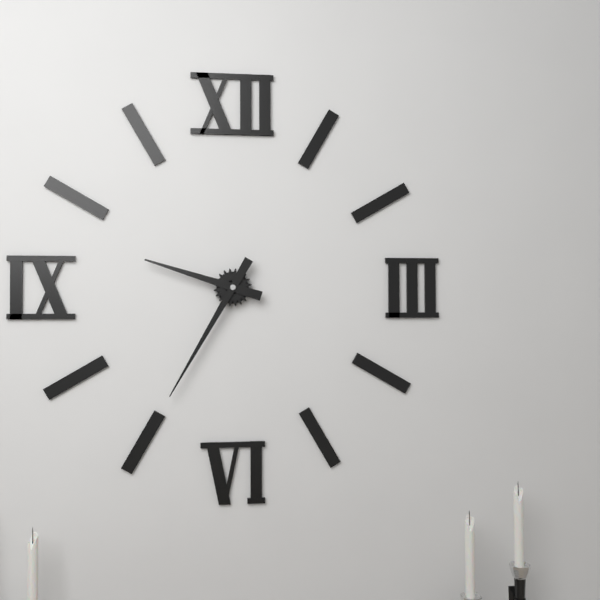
9.35
